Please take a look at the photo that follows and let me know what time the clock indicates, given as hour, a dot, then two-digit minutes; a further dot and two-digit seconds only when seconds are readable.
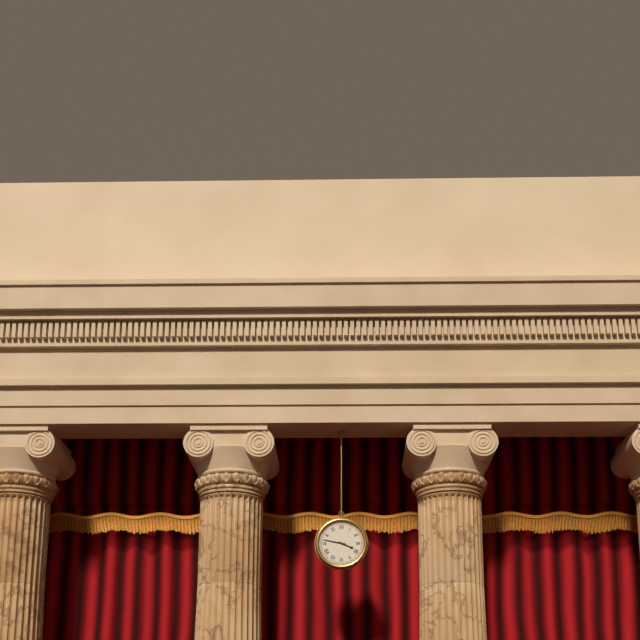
3.47
